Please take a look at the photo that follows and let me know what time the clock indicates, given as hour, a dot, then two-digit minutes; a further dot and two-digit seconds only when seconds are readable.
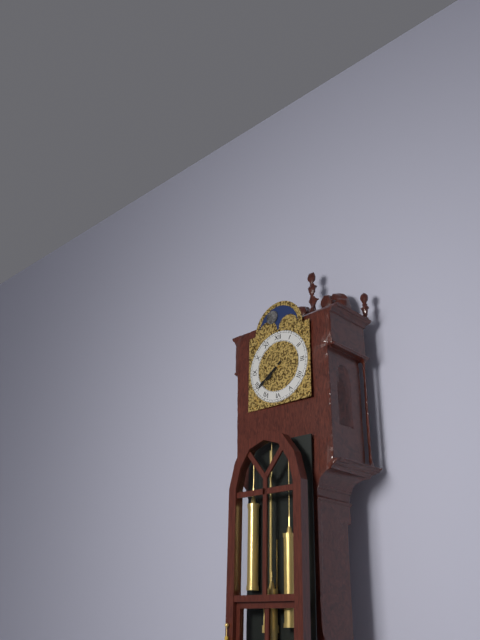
7.39
